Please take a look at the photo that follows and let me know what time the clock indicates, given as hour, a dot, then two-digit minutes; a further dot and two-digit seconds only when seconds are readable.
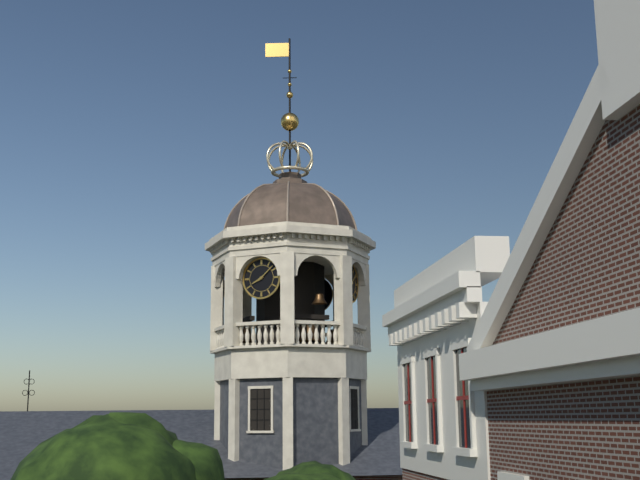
8.08
